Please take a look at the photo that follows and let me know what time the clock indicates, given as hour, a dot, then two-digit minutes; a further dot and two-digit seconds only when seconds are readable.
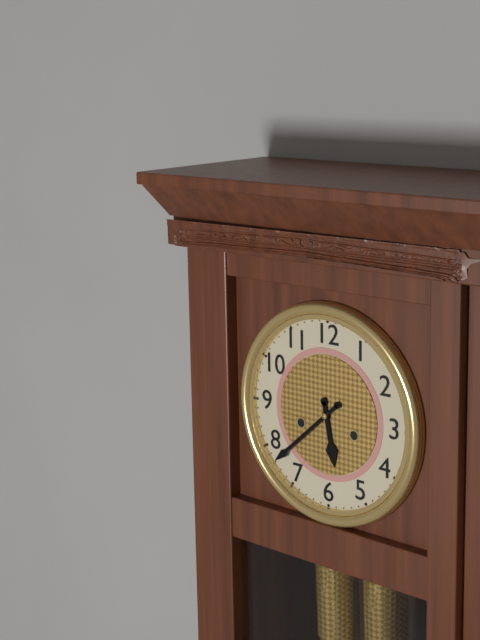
5.38
